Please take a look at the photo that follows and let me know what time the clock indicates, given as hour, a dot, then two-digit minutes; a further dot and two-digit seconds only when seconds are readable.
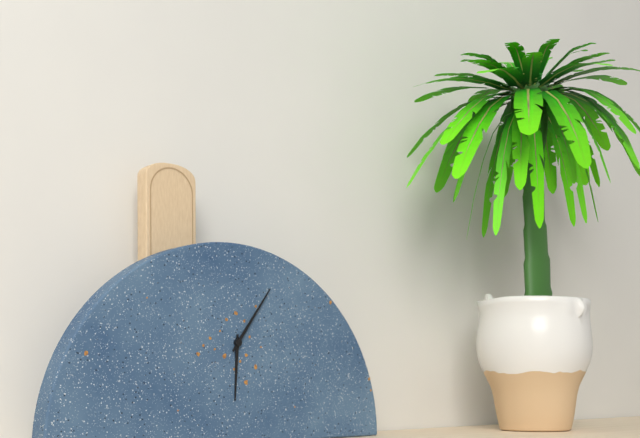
6.06
